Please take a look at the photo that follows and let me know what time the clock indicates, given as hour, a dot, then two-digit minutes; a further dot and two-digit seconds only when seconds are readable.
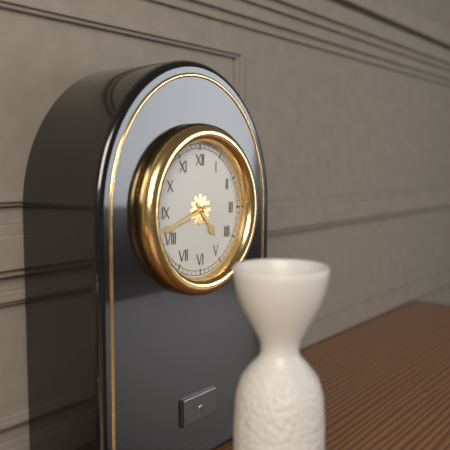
4.42
